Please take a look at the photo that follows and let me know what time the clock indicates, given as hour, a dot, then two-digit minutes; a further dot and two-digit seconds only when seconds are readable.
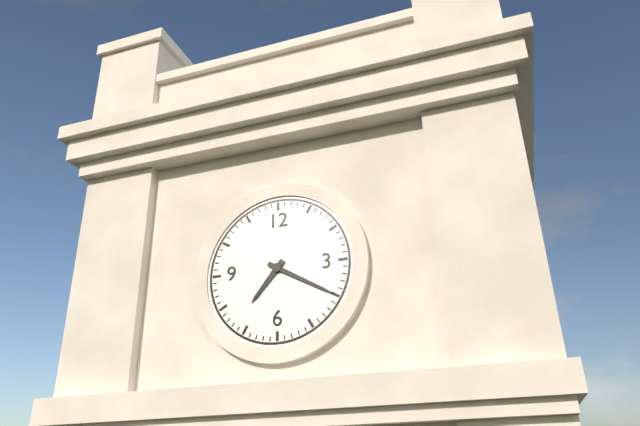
7.20
